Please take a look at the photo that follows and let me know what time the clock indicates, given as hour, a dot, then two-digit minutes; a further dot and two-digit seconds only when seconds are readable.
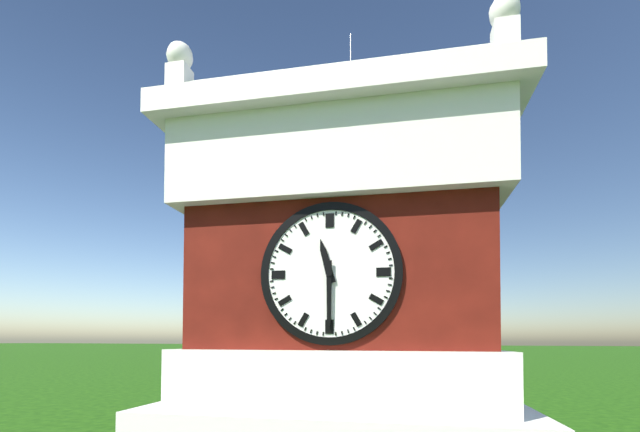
11.30
